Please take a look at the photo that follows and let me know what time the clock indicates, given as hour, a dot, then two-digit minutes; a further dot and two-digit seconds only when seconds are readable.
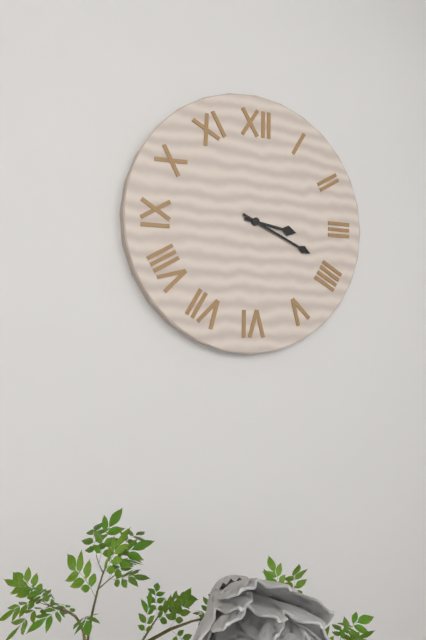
3.19
